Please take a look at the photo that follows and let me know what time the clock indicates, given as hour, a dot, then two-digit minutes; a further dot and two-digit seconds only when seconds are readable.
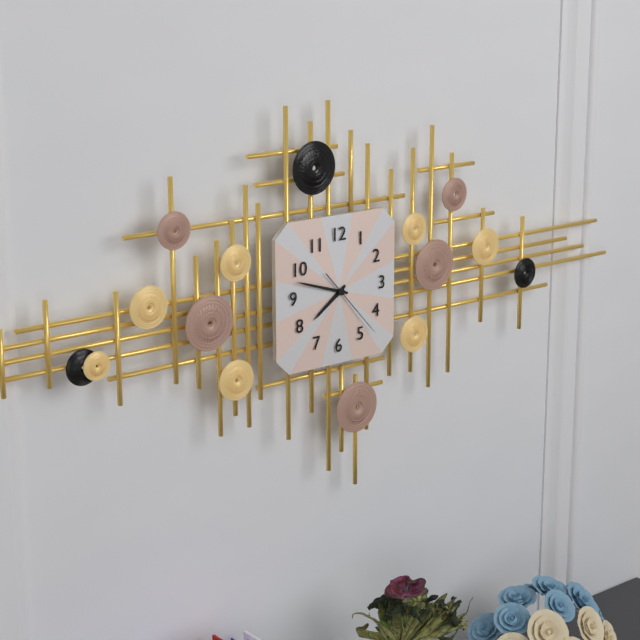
7.48.23
